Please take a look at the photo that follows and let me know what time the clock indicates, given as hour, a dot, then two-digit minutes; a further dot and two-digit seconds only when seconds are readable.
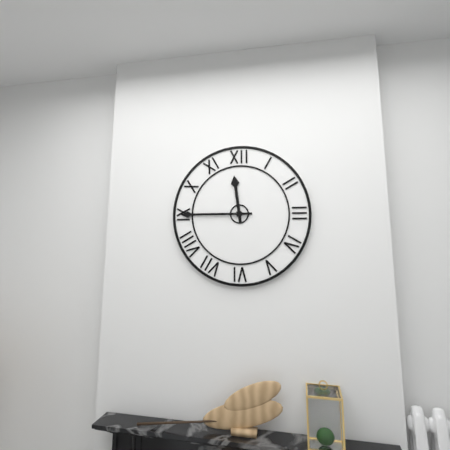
11.45
